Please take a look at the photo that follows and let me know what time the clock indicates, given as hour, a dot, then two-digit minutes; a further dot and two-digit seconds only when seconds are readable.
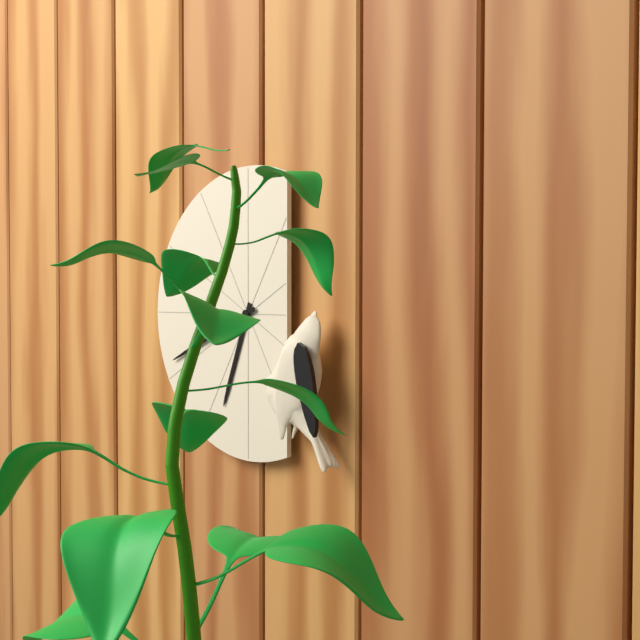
6.41
